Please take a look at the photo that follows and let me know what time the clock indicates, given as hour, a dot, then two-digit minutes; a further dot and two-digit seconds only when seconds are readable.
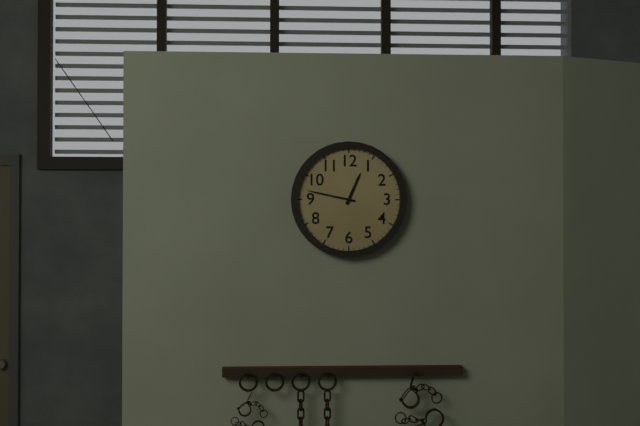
12.47
